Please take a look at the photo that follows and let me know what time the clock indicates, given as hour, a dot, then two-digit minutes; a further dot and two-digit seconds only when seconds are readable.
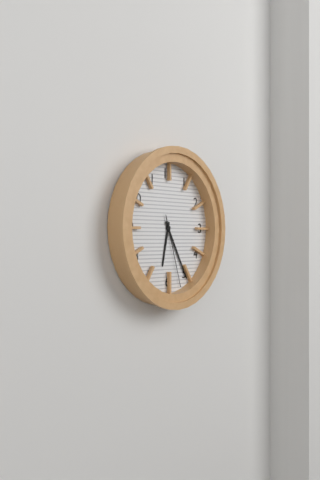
6.25.27
